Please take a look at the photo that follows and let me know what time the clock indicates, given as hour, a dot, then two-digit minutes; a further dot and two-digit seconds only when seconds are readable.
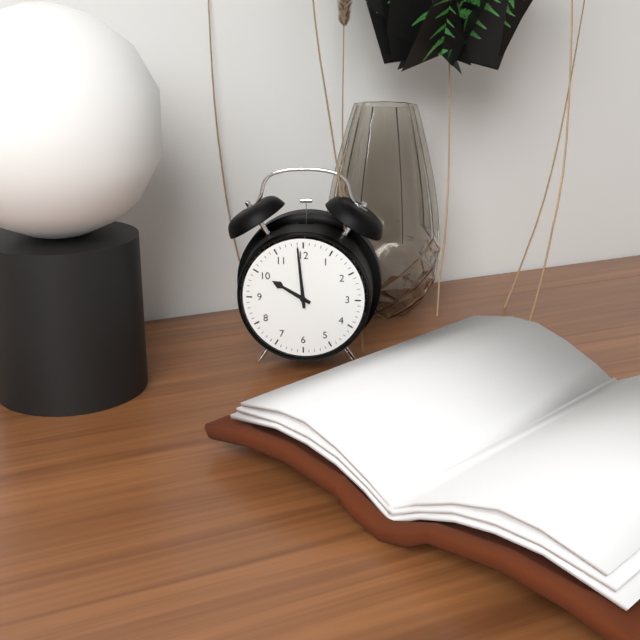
9.59
